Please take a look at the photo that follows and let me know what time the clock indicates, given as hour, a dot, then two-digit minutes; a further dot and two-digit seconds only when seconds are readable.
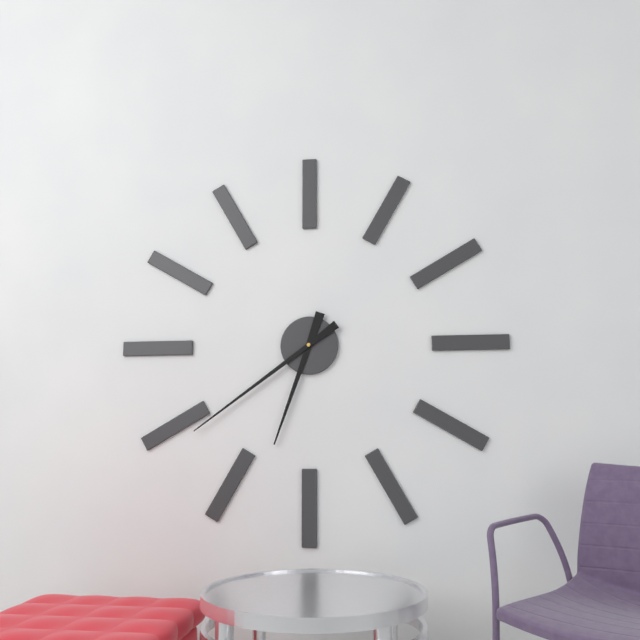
6.39
